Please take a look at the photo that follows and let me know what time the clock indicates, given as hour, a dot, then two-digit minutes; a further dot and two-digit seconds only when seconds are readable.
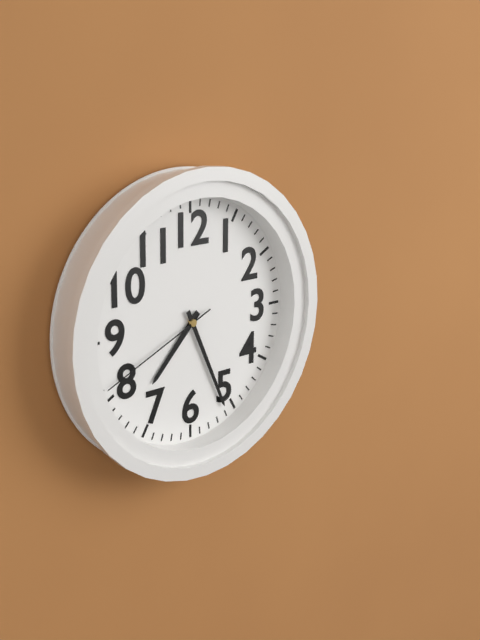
7.26.41
